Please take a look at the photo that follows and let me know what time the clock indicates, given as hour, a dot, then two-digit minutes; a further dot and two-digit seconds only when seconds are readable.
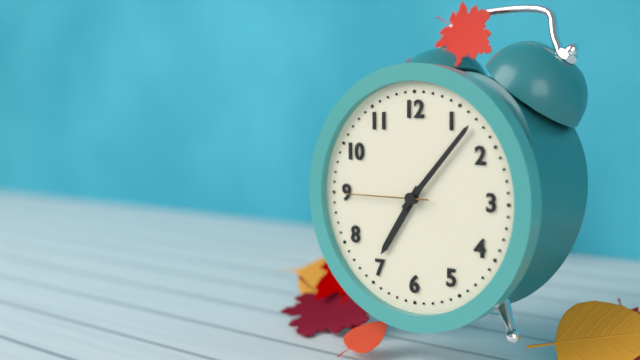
7.07.45
